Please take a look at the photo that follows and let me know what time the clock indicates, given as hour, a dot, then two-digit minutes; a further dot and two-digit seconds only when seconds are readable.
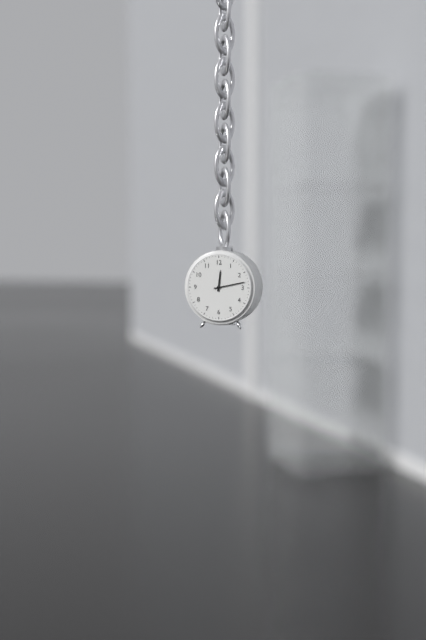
12.13
